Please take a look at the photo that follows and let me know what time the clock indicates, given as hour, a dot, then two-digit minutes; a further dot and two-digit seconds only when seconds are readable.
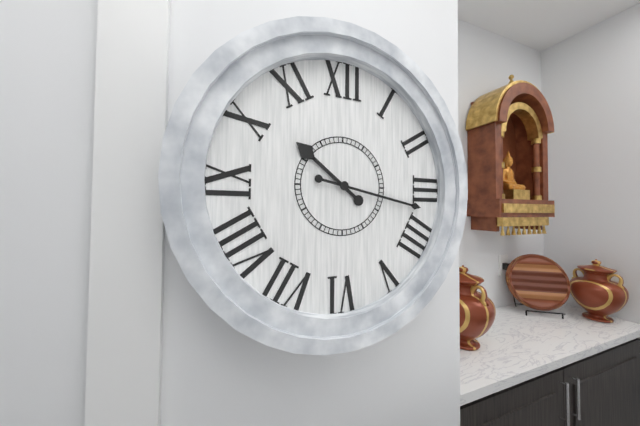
10.17
